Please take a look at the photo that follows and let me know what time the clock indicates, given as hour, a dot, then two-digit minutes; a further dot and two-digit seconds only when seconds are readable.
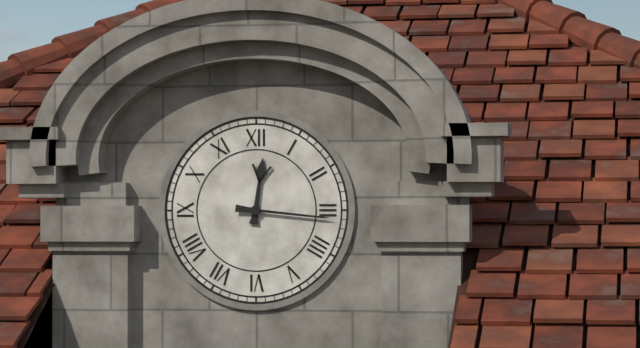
12.16
